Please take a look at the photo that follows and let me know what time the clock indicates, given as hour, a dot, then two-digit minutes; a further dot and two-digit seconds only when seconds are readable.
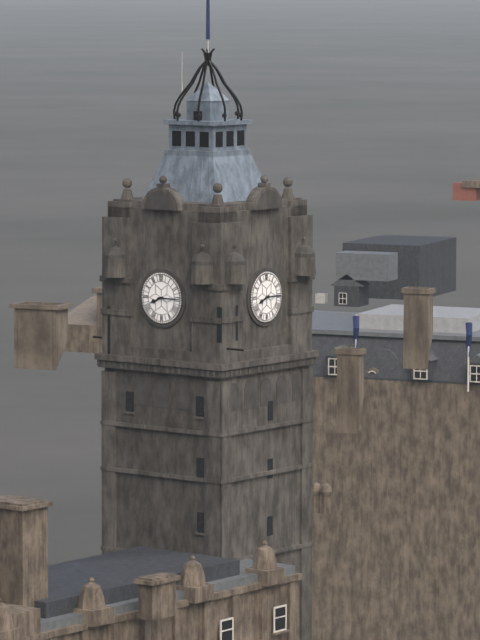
8.15
